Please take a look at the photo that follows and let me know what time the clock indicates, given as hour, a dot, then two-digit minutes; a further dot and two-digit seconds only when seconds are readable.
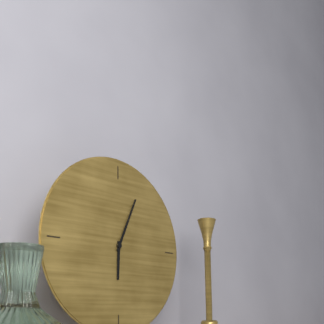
6.04
